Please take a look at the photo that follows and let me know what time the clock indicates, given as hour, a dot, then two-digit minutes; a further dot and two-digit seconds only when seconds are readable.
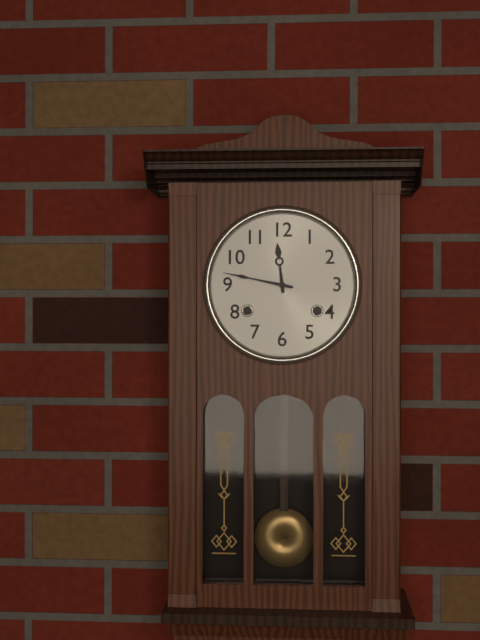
11.47
